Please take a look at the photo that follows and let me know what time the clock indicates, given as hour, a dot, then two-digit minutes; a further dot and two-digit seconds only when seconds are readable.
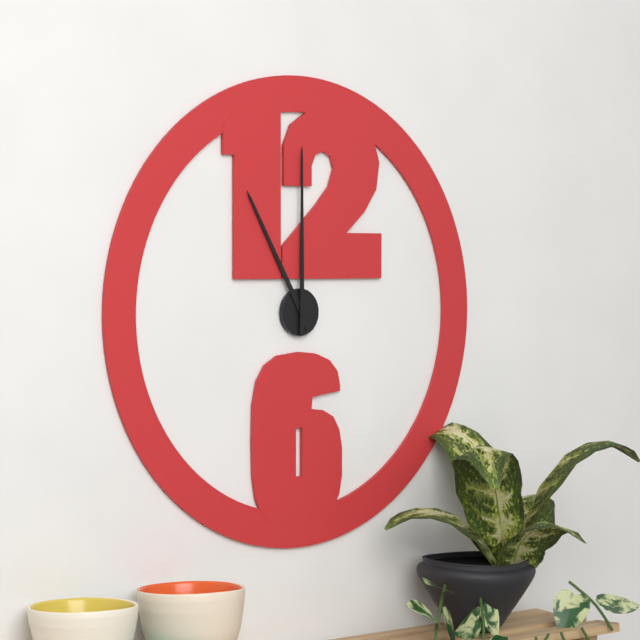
11.00
